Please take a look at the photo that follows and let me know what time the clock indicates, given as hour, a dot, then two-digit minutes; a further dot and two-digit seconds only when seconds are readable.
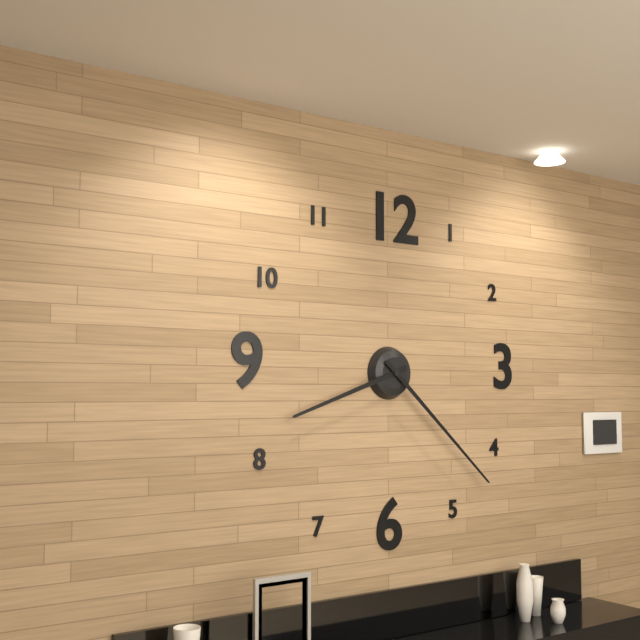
8.22
